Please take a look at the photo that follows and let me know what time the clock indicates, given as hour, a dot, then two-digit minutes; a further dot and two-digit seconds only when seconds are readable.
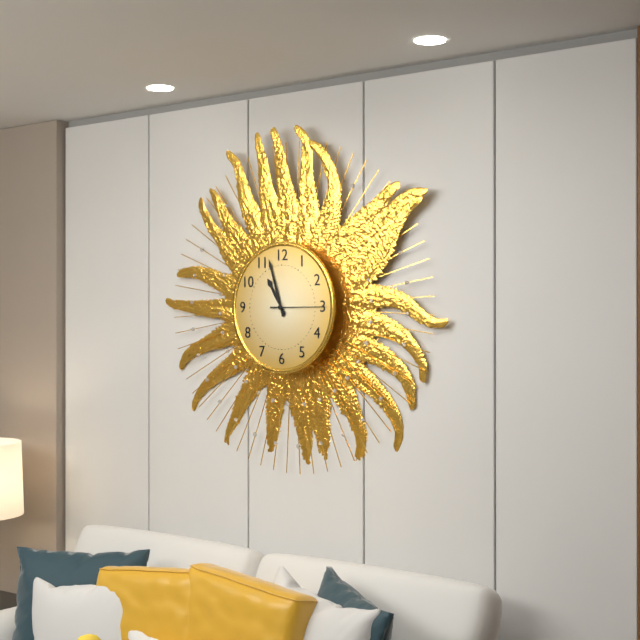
10.57.15
